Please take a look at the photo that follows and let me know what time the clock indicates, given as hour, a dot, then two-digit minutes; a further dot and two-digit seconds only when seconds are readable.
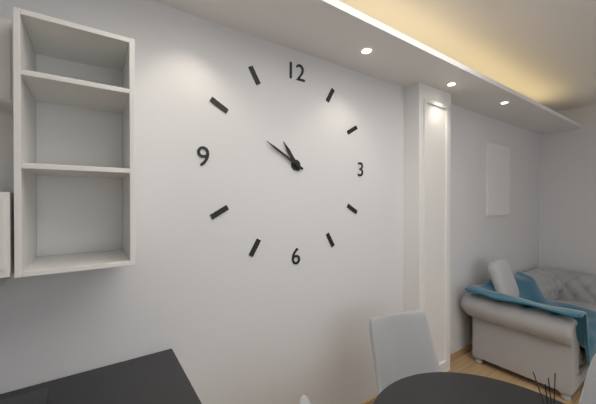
10.50
